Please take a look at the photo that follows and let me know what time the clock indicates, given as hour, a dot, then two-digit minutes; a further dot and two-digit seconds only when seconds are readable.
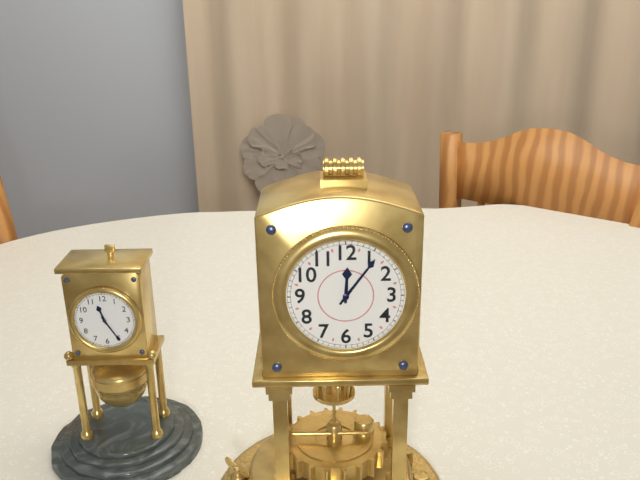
12.06
